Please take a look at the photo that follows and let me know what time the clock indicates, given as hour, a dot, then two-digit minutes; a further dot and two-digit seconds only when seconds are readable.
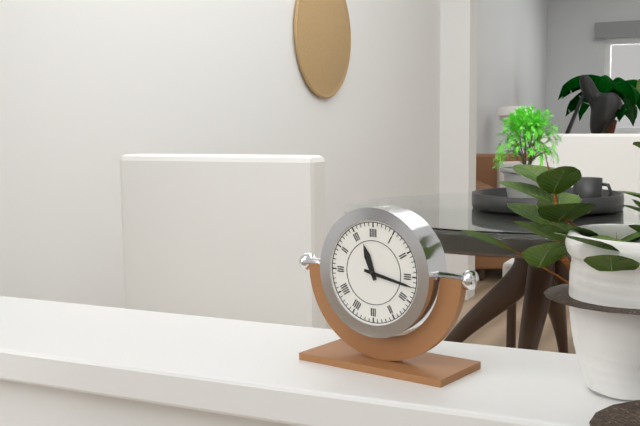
11.17
